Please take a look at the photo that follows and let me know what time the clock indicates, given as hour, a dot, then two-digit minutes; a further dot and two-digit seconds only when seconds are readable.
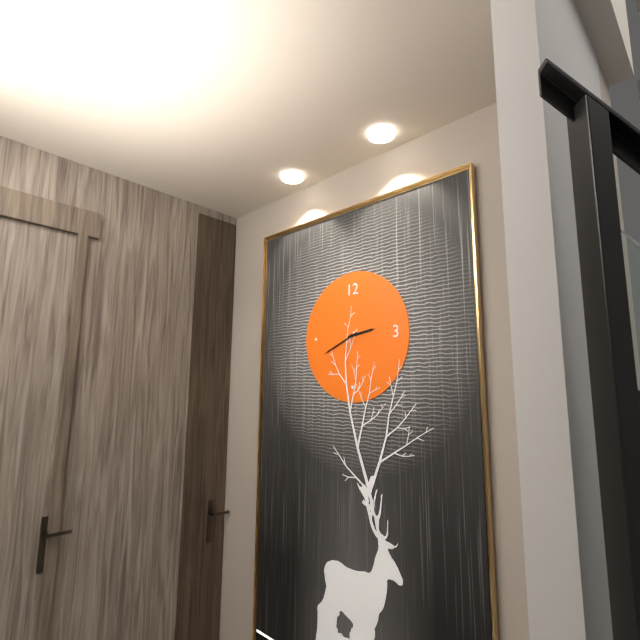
2.41
